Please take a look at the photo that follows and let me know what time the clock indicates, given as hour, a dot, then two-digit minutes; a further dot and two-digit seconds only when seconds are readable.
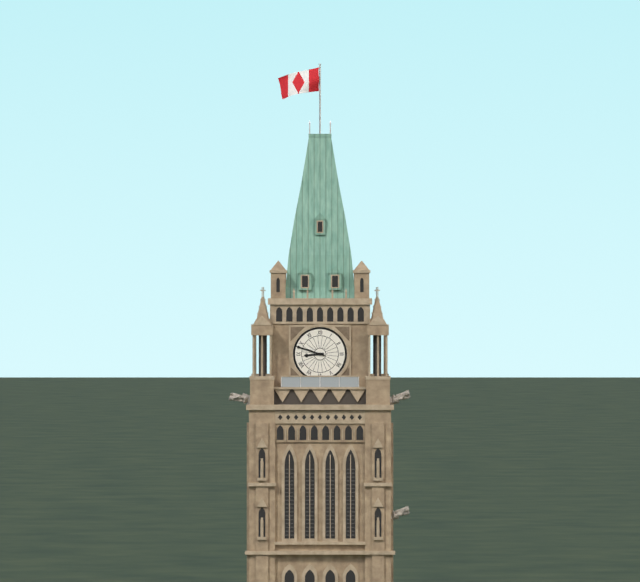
8.48
